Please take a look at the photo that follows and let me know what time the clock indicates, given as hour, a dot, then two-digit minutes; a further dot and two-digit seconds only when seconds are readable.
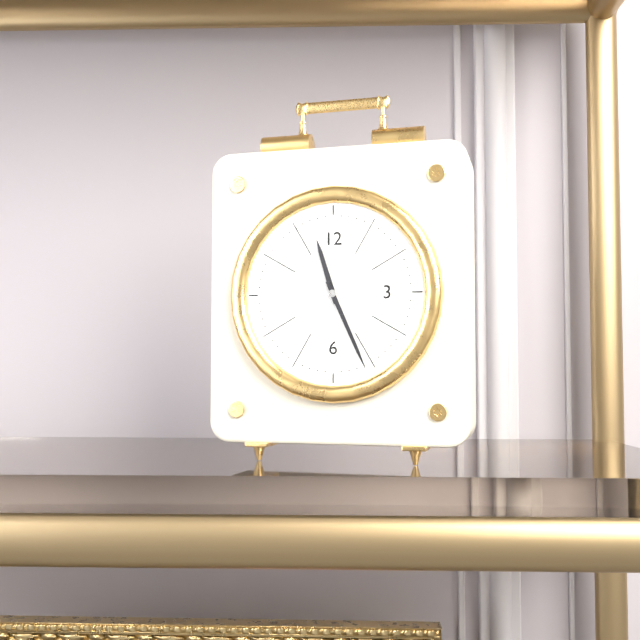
11.26
